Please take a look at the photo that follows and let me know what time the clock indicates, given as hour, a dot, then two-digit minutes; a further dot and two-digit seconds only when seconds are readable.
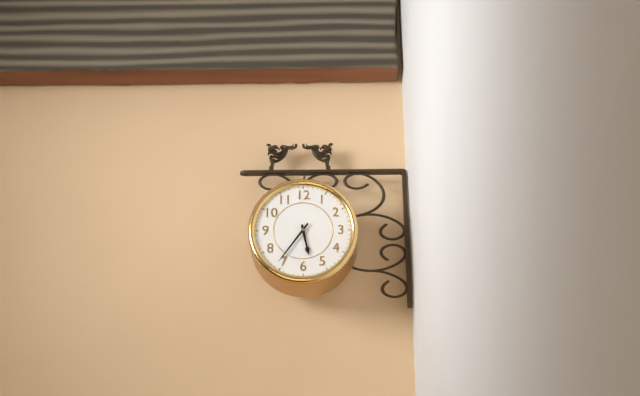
5.36
